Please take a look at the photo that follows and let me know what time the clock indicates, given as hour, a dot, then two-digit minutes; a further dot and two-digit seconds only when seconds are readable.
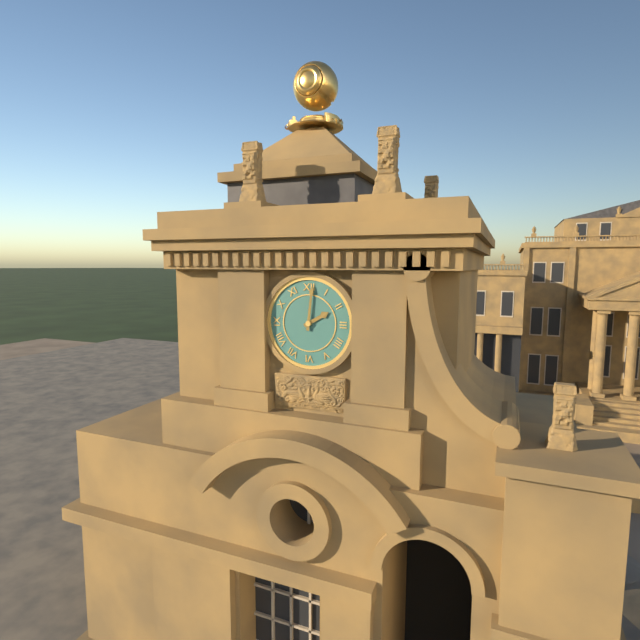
2.01
